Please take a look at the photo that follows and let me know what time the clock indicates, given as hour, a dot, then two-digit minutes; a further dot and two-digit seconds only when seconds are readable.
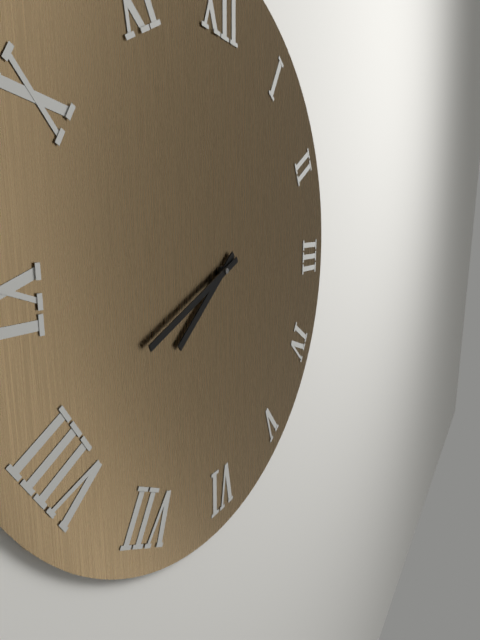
7.41
